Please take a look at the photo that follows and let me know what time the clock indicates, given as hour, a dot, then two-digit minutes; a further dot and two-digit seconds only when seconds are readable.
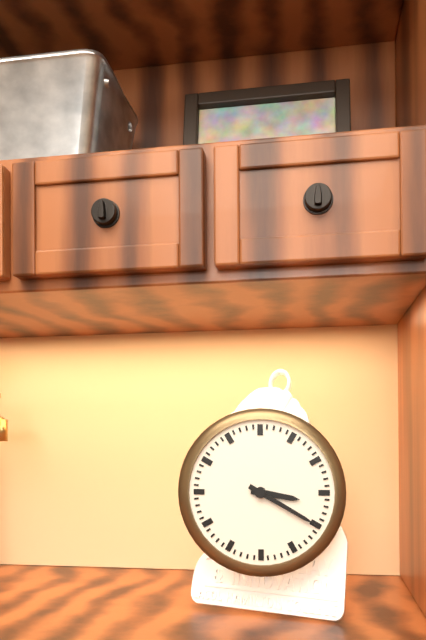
3.20
